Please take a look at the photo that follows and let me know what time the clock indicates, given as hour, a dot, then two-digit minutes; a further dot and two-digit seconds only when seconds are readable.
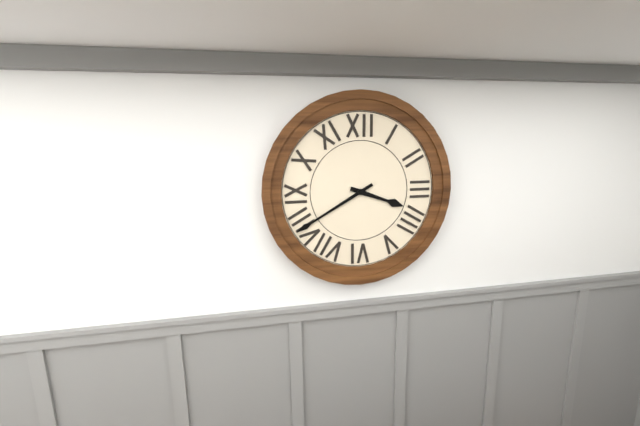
3.40
